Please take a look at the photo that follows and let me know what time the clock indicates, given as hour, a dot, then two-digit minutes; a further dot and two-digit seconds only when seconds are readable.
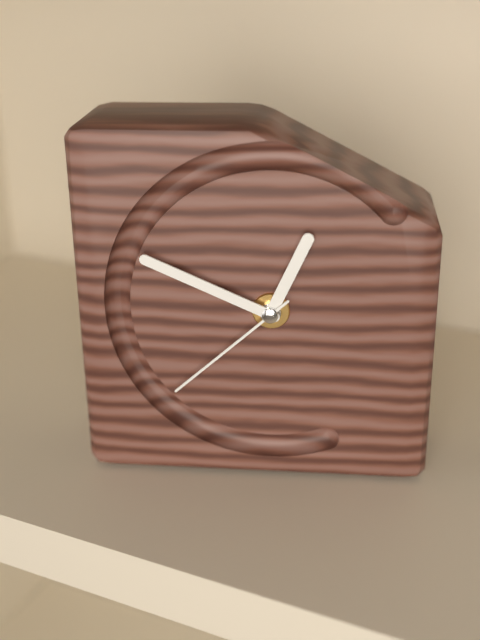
12.49.38
